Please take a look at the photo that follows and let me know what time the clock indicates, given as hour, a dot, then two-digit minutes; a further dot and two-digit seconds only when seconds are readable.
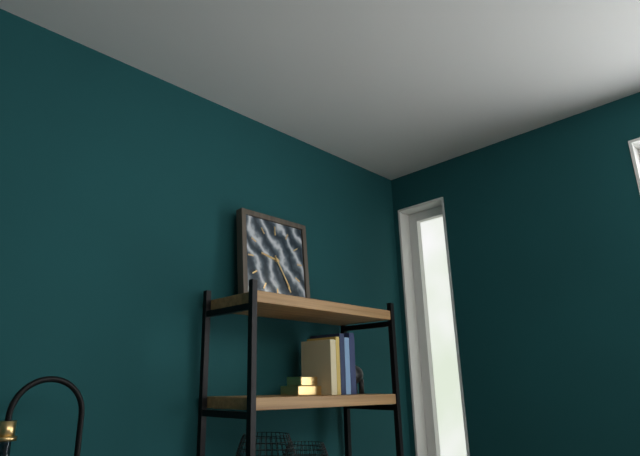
9.25
